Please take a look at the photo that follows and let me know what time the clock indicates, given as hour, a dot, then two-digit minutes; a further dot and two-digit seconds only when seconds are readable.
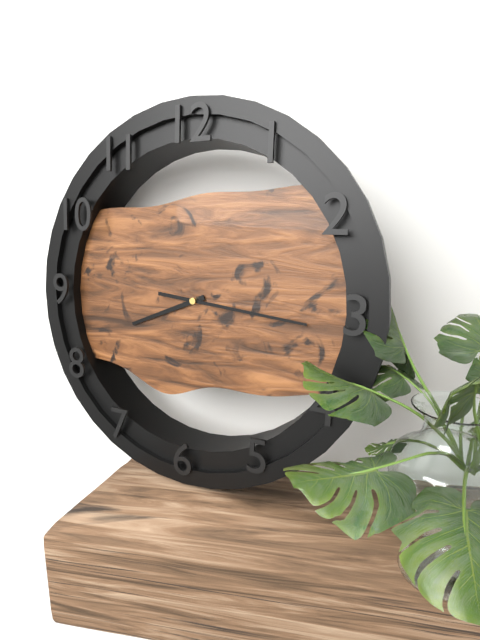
8.16
